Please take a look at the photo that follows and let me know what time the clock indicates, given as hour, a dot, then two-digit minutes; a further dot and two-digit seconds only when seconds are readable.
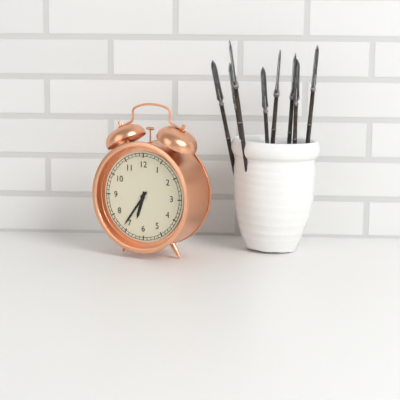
6.36
